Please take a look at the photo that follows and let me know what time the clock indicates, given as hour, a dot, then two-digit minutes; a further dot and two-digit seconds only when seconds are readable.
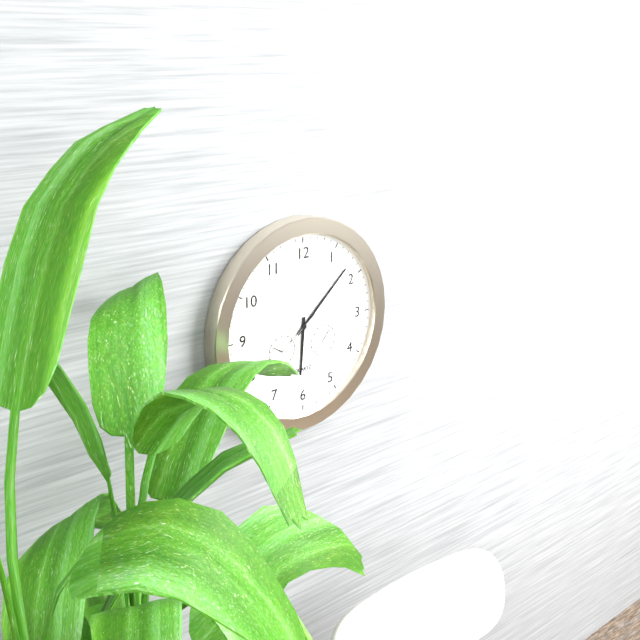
6.08.39
